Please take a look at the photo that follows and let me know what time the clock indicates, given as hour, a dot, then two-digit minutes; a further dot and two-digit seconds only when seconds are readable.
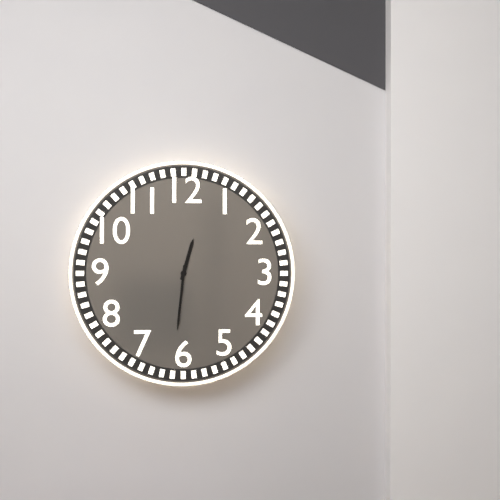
12.31
